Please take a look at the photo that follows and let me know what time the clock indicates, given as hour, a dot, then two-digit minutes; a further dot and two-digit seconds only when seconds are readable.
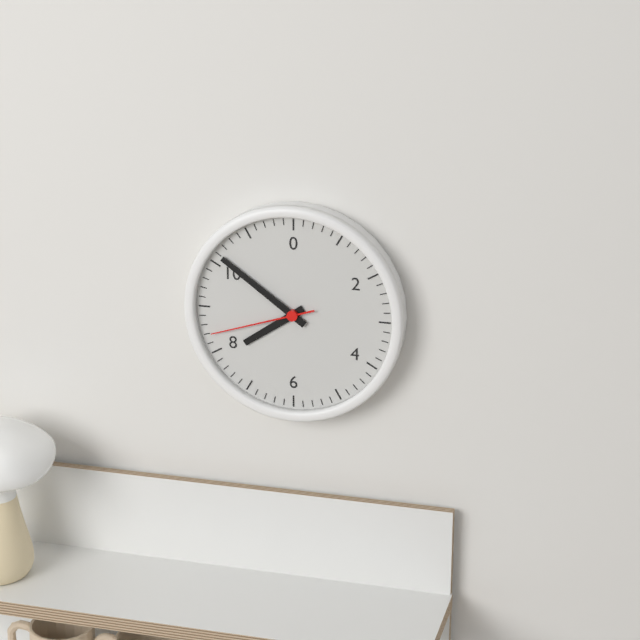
7.51.42
